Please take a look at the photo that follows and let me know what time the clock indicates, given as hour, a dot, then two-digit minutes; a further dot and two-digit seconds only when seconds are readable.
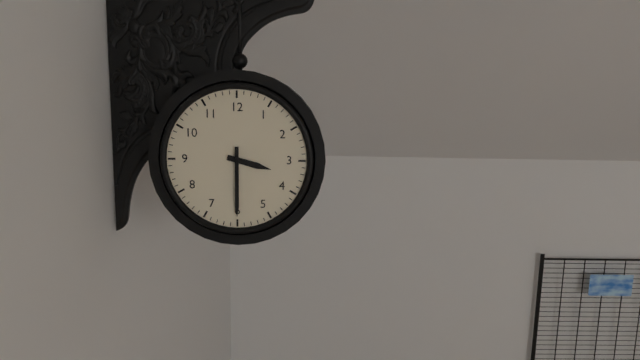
3.30
